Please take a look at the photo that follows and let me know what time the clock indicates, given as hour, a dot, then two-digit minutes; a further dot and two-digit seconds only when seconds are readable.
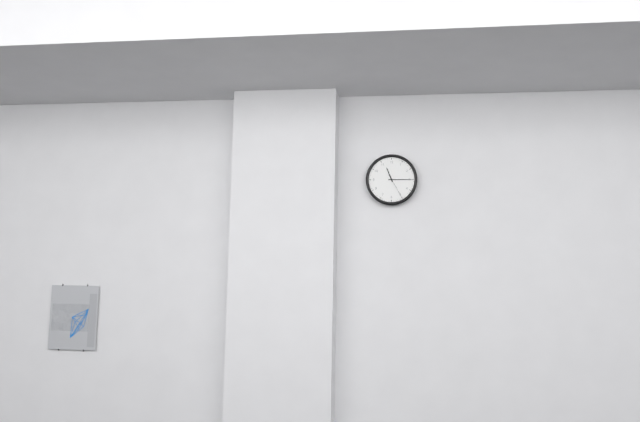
11.15
